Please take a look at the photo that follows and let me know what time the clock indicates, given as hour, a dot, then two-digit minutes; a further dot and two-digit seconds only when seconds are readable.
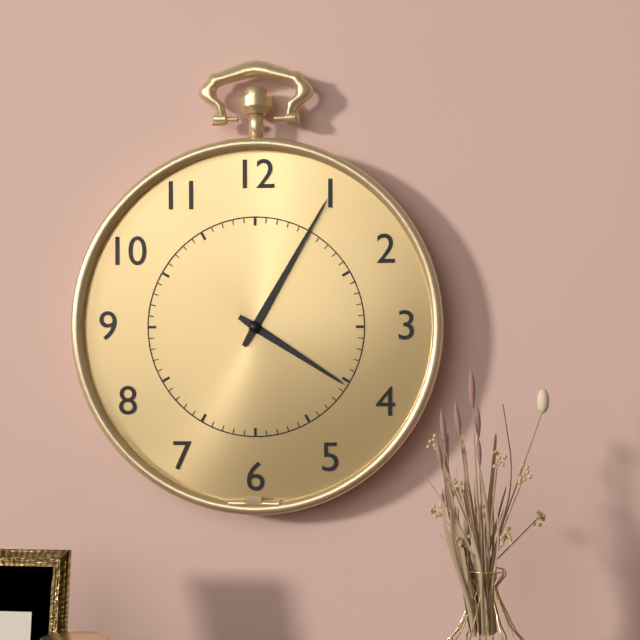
4.05
